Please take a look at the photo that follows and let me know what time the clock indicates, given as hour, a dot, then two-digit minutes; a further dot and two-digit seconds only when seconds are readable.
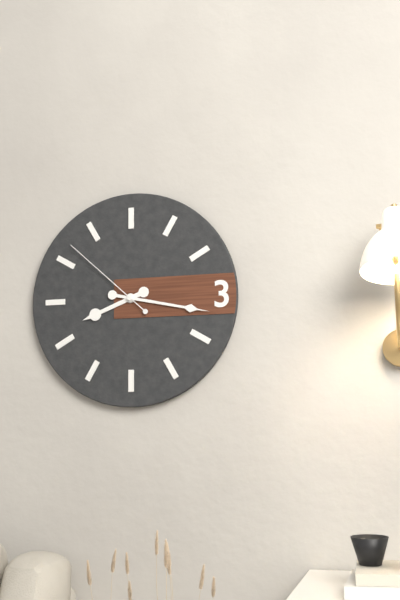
8.17.52
